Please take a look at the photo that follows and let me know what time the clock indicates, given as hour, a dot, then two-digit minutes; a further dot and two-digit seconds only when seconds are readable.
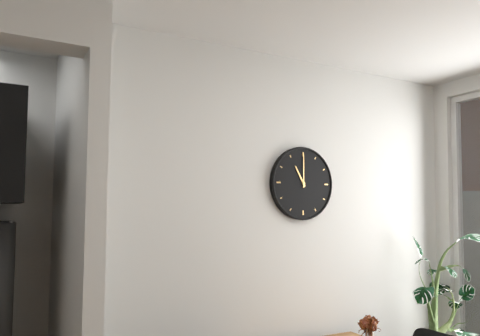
11.00
